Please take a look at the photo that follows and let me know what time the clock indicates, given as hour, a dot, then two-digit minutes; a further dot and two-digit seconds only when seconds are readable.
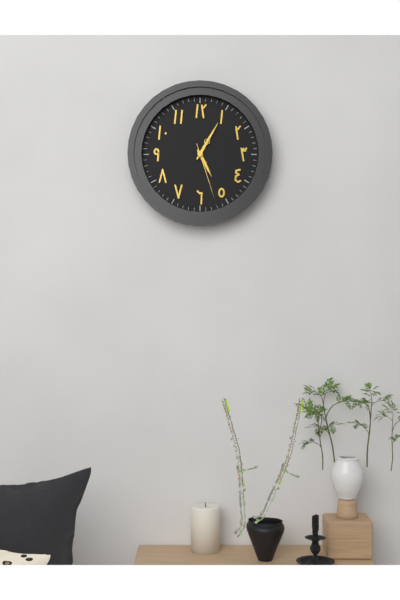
5.05.27
